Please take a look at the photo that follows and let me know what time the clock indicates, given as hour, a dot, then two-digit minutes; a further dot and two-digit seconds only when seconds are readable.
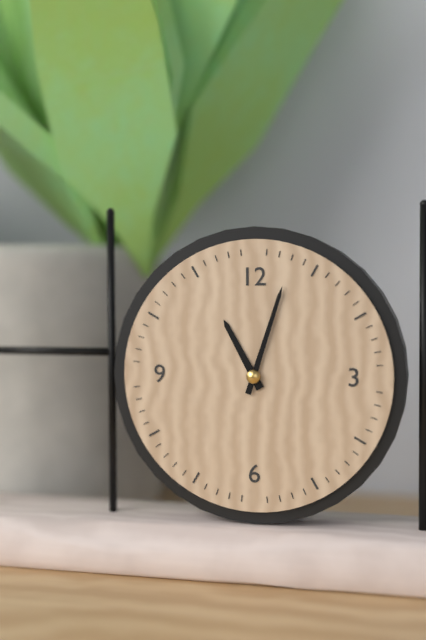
11.03
